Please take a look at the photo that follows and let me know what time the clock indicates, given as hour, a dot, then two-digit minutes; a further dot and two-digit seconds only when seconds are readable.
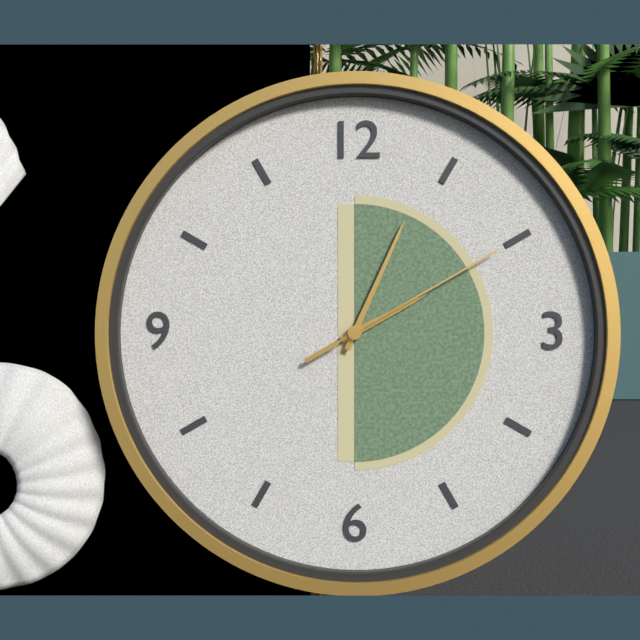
2.04.10
